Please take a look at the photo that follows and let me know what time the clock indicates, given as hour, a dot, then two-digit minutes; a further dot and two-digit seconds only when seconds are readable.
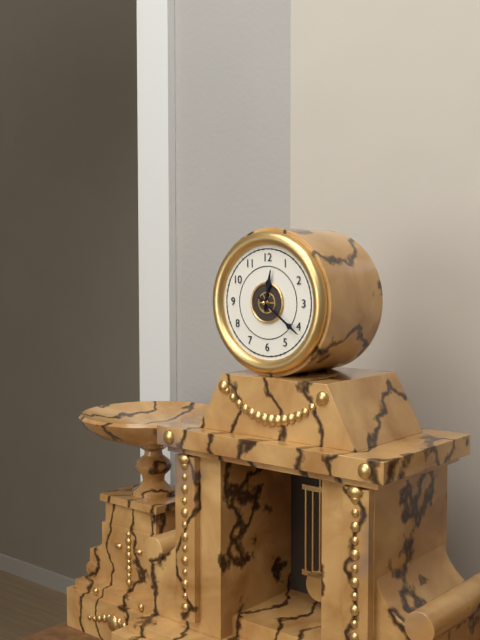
12.21
